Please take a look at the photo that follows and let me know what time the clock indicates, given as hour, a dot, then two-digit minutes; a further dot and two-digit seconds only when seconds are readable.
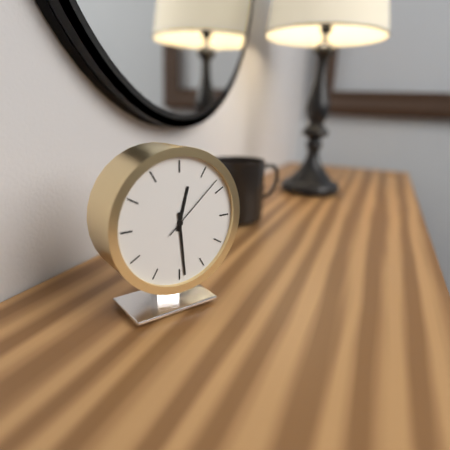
12.29.08
